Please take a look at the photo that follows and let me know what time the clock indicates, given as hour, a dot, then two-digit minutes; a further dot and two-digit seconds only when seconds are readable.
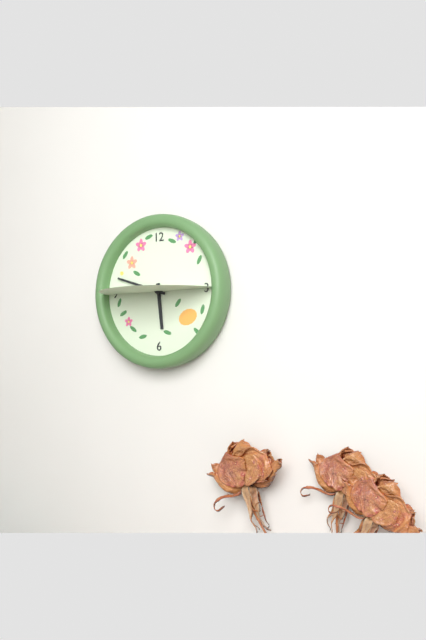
5.48
